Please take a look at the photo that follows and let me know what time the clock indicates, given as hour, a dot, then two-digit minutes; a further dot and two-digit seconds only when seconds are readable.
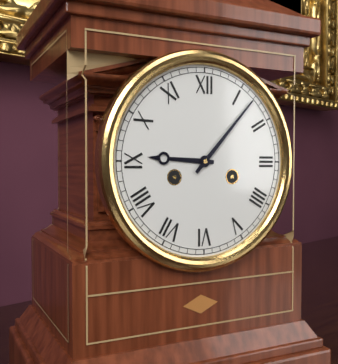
9.07
